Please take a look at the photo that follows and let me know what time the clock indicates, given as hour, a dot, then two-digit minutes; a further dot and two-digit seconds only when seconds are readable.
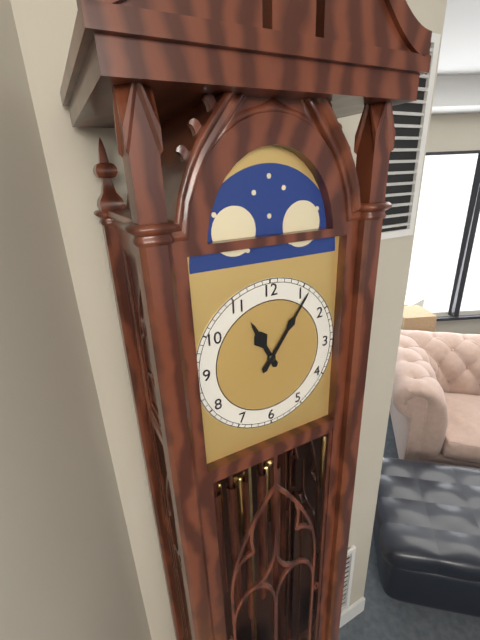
11.06
